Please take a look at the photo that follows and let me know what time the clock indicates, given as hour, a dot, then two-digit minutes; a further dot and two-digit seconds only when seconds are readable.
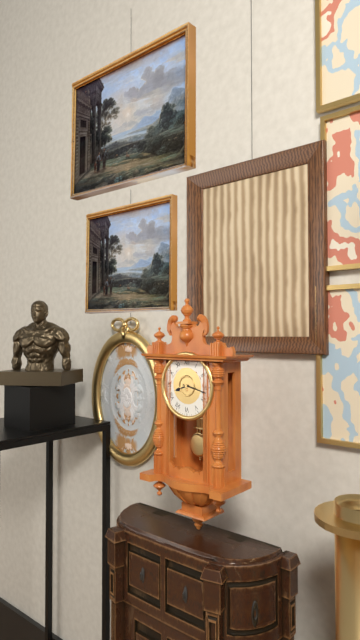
8.17
